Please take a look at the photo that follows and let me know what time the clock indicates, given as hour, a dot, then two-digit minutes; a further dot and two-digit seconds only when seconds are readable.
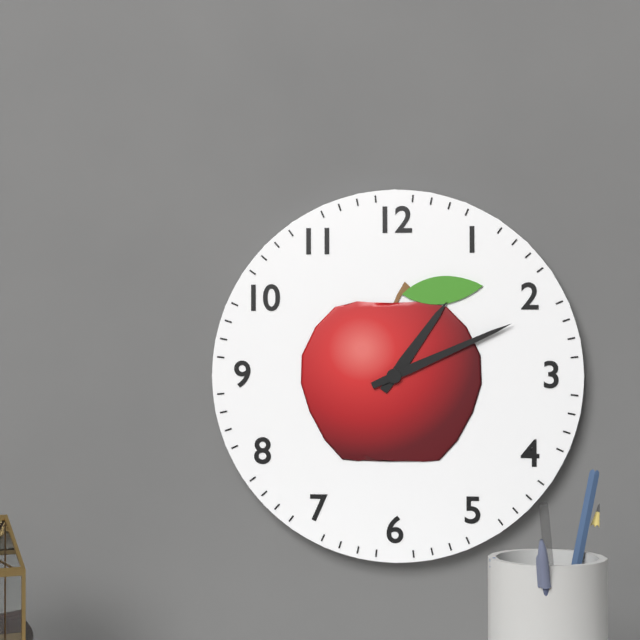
1.11
